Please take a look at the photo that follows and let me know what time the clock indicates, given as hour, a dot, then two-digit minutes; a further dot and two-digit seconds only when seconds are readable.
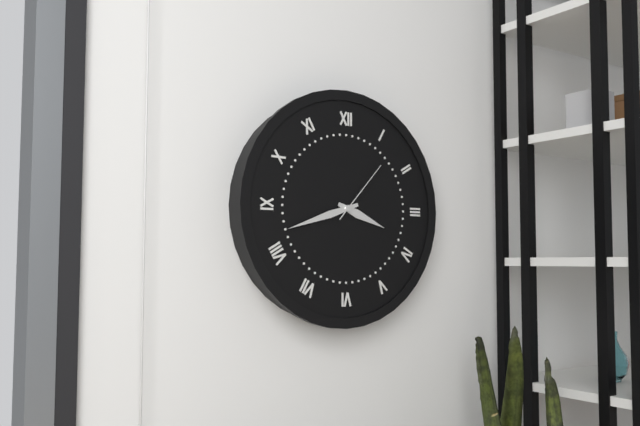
3.42.07
